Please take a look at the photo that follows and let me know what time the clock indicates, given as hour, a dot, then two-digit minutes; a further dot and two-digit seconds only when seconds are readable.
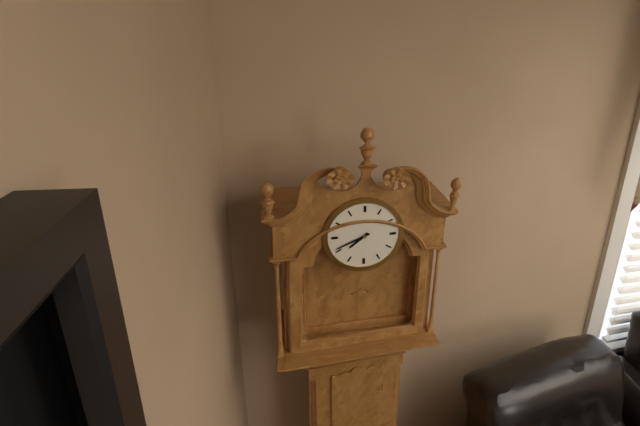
7.41
